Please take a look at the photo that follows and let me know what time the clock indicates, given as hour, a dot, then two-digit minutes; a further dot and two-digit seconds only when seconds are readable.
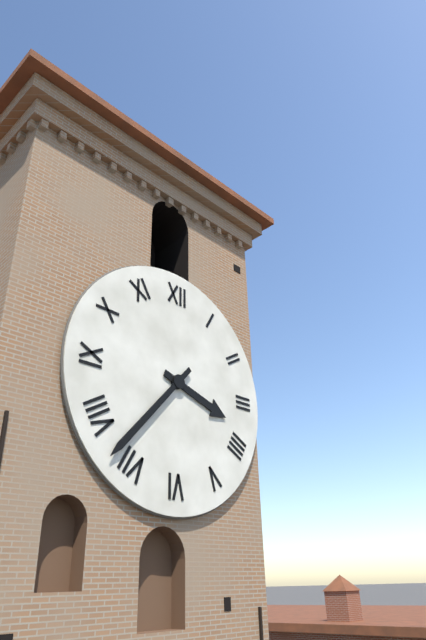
3.37
